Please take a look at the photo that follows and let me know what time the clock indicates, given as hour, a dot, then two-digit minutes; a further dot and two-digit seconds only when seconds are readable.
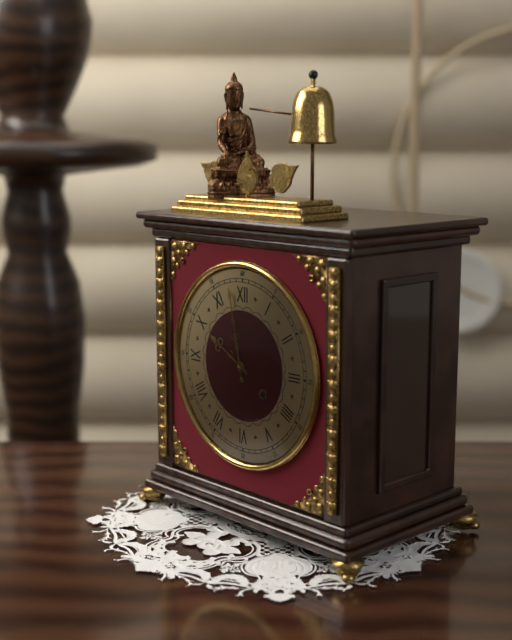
9.58
